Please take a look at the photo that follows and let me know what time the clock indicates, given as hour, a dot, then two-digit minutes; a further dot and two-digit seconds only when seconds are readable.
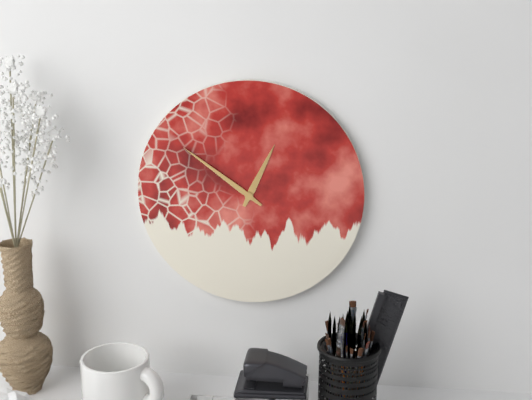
12.51
